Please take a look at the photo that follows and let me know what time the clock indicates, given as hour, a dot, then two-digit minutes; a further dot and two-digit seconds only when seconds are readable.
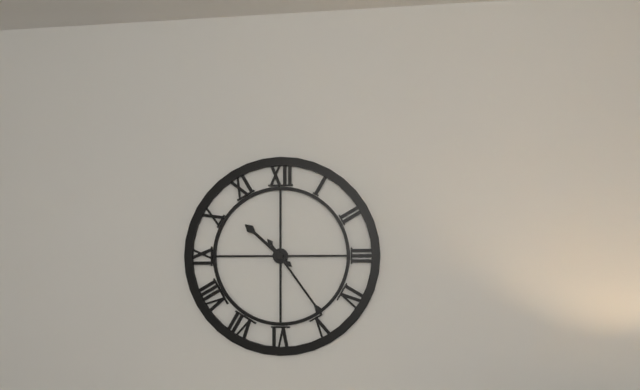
10.24
